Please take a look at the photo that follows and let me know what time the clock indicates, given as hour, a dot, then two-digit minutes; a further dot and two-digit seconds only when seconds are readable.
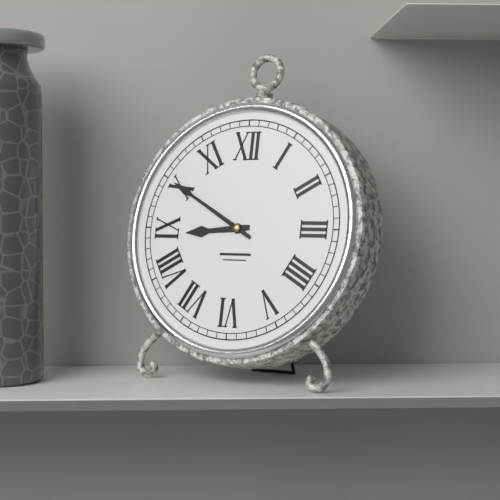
8.50
